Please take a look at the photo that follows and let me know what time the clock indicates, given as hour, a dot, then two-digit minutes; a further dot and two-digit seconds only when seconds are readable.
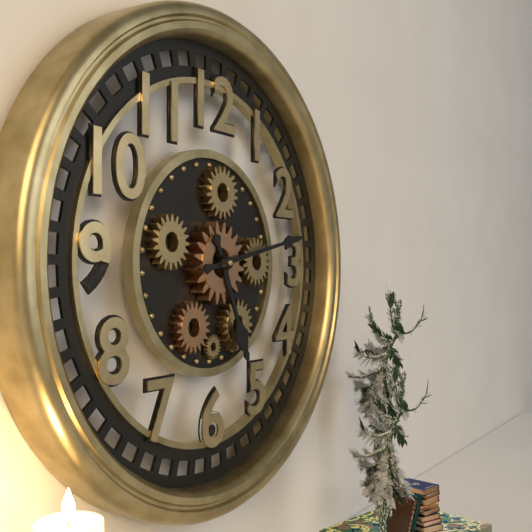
5.13
